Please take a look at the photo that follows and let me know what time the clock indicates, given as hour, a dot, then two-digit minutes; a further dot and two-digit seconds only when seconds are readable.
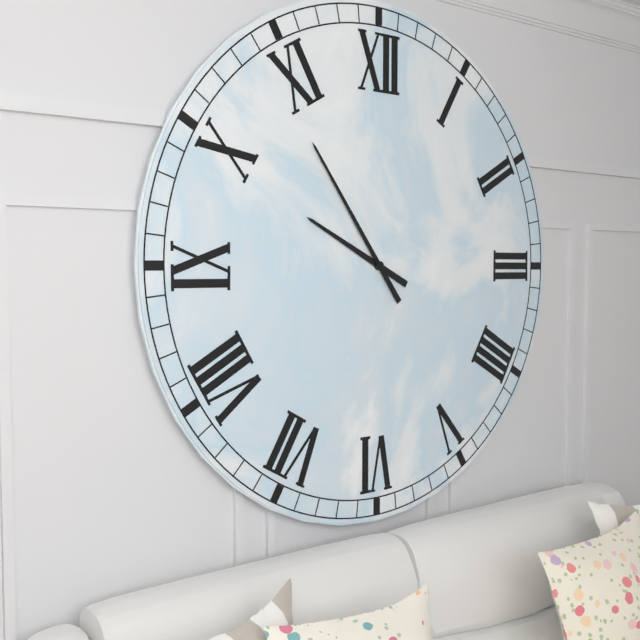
9.54
